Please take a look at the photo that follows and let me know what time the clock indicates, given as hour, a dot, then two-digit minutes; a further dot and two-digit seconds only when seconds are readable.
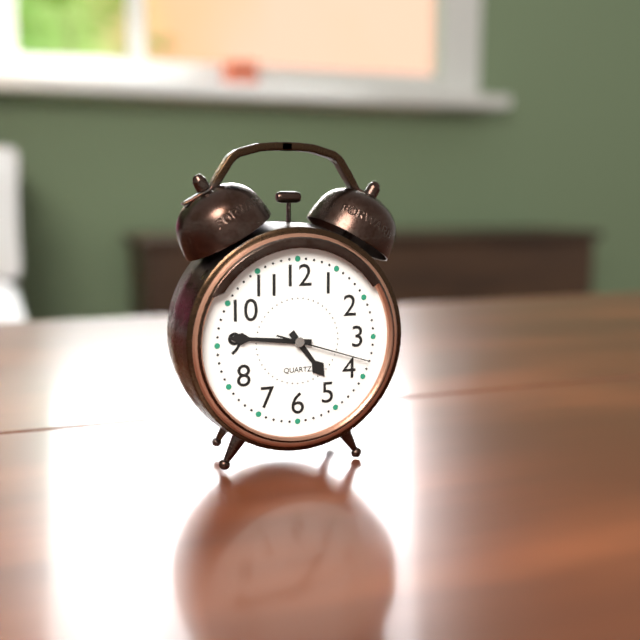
4.46.18
